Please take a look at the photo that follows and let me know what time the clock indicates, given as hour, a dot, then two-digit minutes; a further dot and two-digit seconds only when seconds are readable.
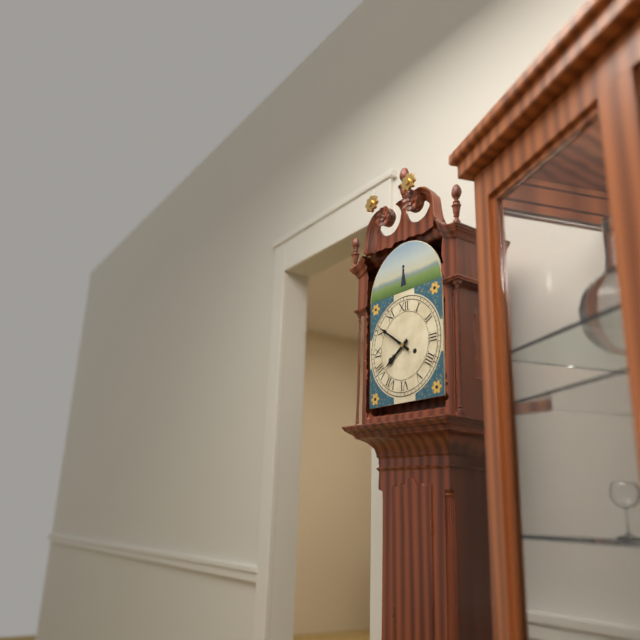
7.51
